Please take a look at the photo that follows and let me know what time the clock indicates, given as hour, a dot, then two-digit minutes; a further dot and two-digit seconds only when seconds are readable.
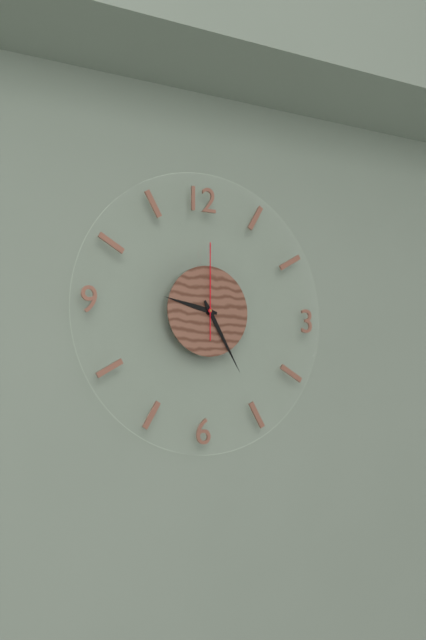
9.25.00
